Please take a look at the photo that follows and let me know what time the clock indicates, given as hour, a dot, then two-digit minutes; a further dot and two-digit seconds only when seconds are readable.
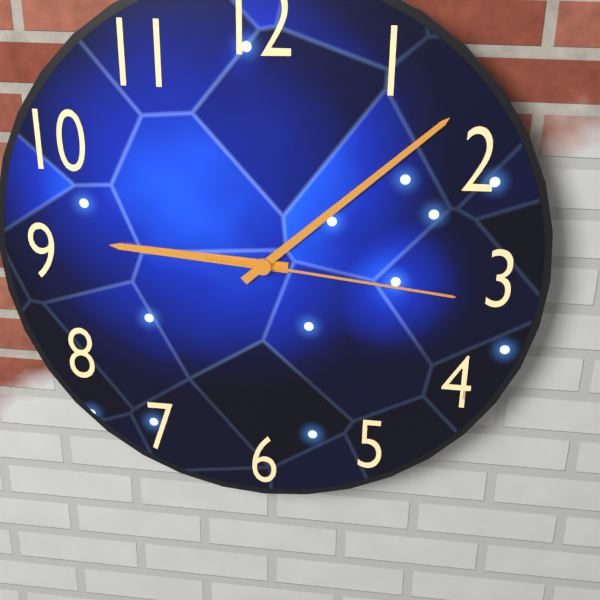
9.08.16
